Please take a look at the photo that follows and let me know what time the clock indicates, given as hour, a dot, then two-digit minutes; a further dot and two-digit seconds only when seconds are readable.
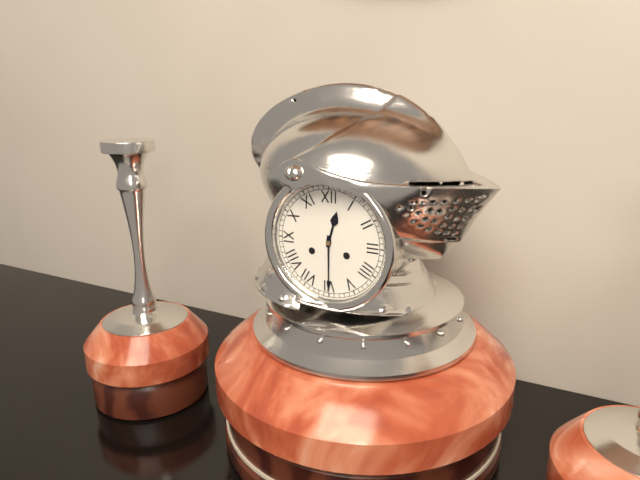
12.30
